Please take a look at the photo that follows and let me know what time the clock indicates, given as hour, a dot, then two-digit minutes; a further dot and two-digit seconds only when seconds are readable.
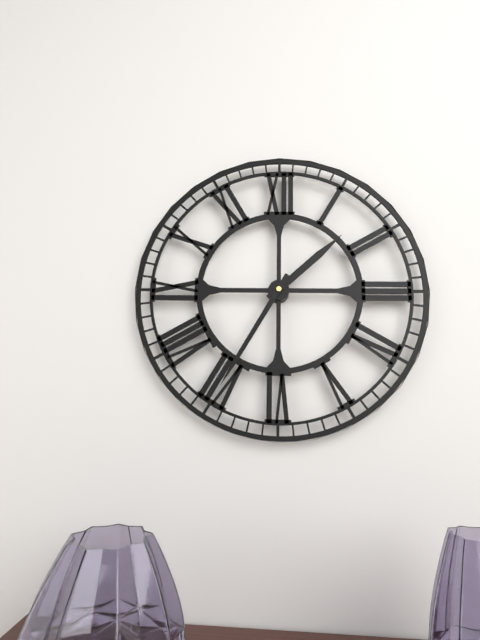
1.35
